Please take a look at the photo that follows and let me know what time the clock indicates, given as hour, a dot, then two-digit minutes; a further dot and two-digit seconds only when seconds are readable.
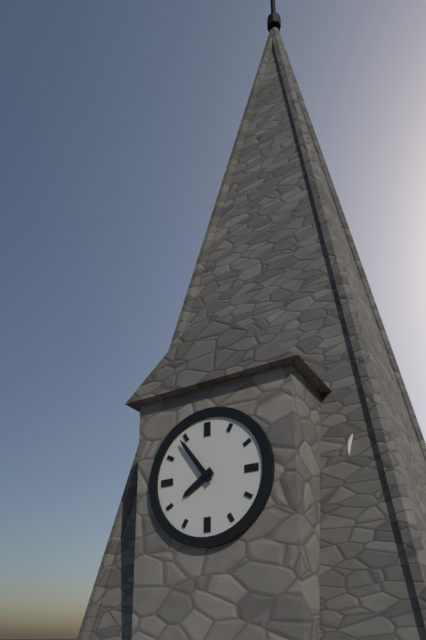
7.54
